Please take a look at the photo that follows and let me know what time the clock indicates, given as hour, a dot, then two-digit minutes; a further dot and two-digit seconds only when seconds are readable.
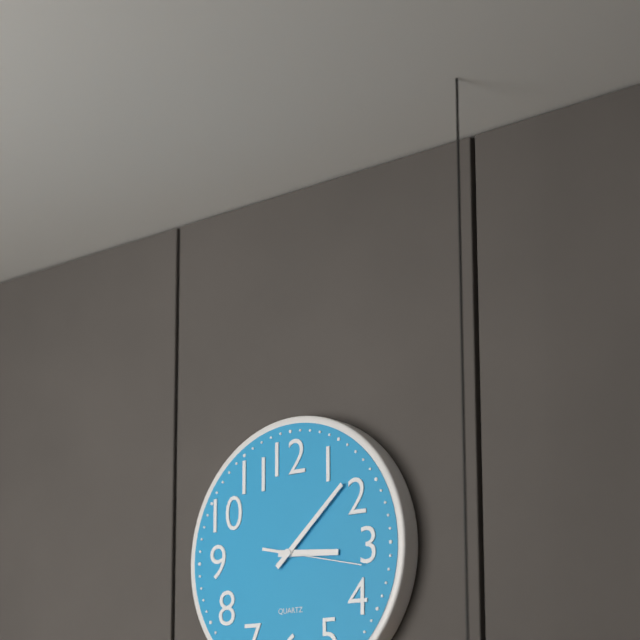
3.08.17
